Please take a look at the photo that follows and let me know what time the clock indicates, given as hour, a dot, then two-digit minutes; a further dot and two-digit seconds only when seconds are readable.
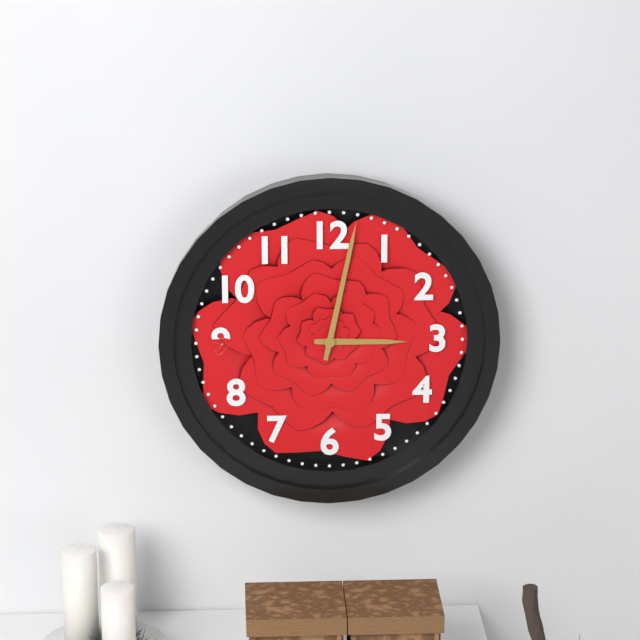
3.02
